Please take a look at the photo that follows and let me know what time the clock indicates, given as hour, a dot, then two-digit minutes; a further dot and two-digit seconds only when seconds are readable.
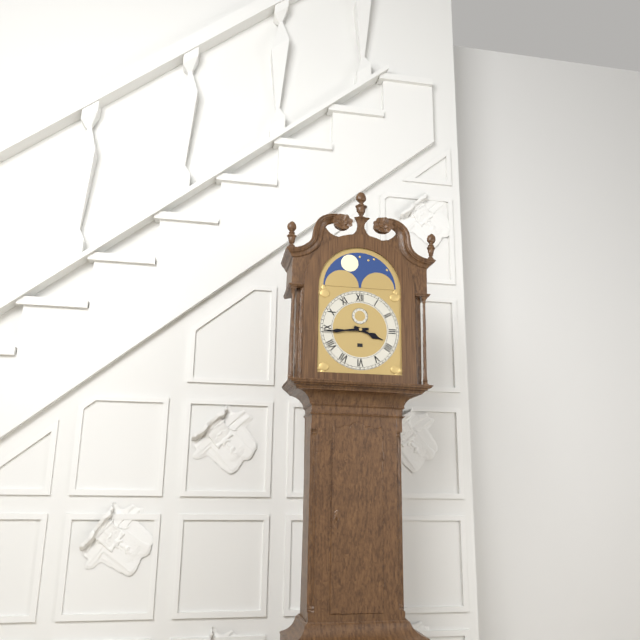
3.44
